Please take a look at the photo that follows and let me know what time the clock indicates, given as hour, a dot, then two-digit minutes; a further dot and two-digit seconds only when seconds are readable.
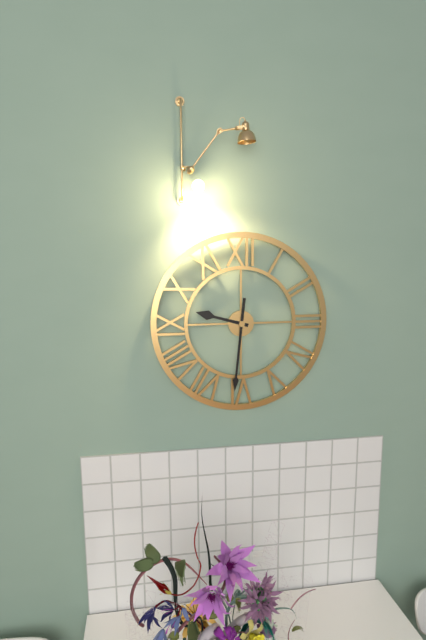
9.31
